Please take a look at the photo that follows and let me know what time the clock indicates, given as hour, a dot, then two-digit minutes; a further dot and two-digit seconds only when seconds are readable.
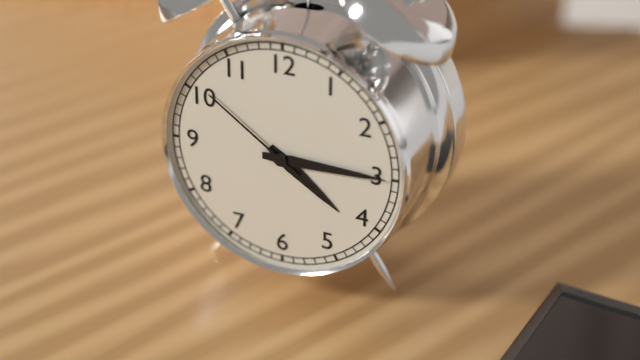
4.15.51
